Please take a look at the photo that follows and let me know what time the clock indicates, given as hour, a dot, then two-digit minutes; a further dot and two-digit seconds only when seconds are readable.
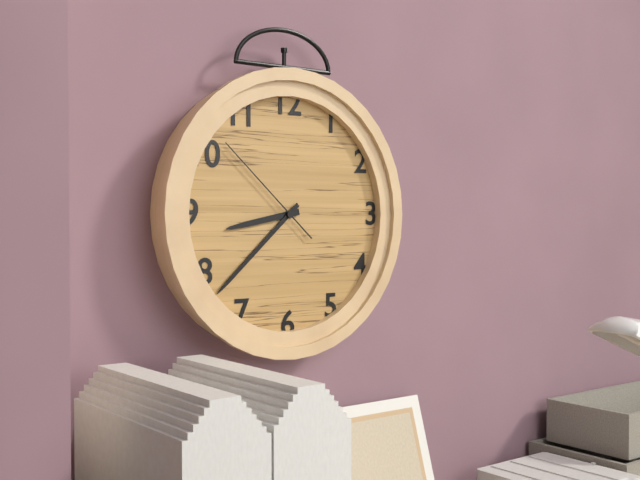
8.38.52
